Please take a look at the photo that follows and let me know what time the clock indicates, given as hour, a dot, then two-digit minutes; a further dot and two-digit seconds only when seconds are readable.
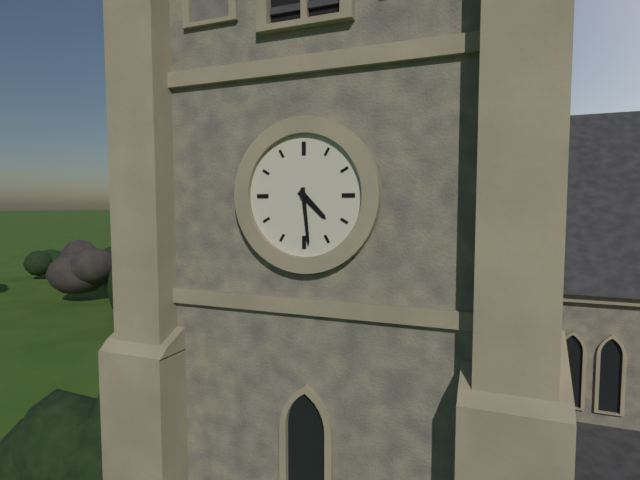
4.29
